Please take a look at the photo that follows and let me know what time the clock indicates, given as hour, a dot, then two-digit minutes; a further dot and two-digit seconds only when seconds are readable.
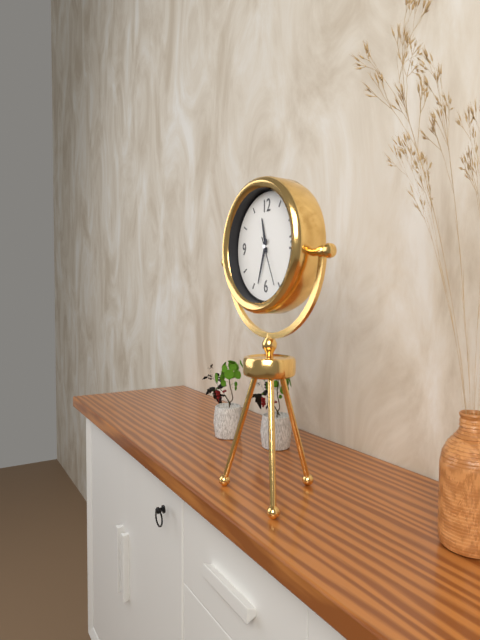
11.33
